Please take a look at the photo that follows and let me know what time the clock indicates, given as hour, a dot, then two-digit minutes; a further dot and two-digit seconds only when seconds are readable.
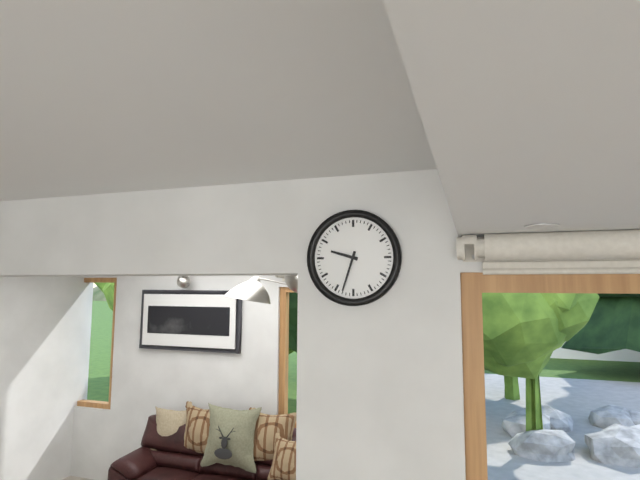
9.33
